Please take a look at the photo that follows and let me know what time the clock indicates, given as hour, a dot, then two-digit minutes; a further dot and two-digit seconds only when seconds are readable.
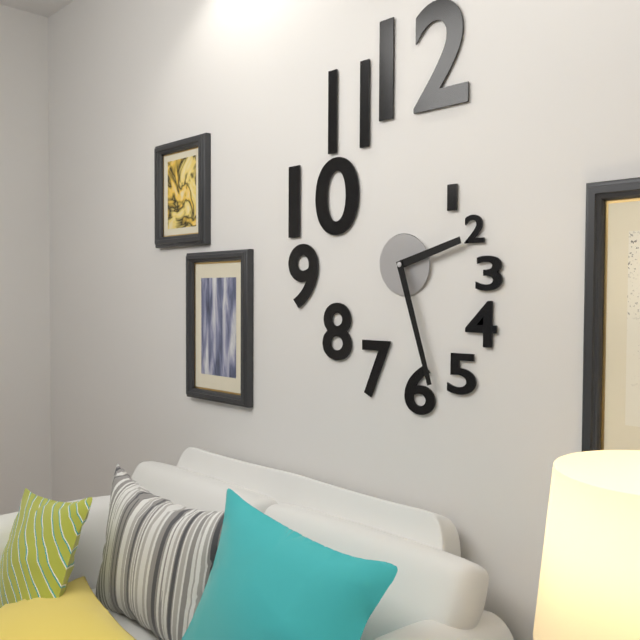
2.27
